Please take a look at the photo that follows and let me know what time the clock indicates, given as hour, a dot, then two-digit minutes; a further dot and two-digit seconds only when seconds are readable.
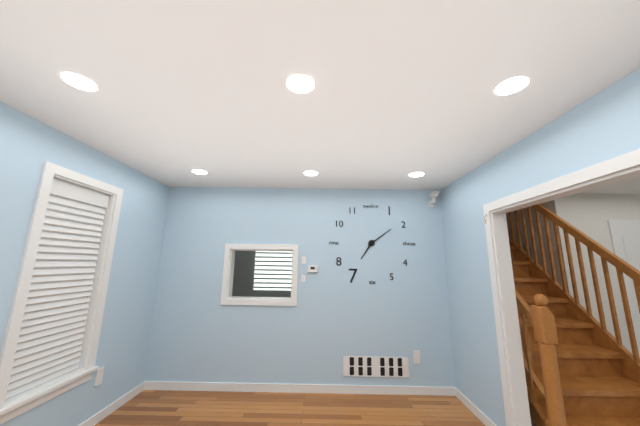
7.09
